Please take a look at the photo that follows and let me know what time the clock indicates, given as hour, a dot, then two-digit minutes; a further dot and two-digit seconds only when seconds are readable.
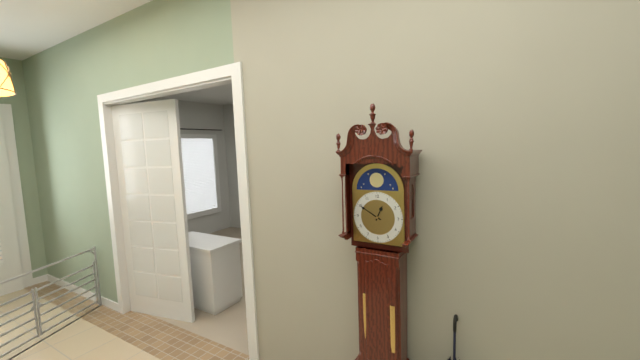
12.50
